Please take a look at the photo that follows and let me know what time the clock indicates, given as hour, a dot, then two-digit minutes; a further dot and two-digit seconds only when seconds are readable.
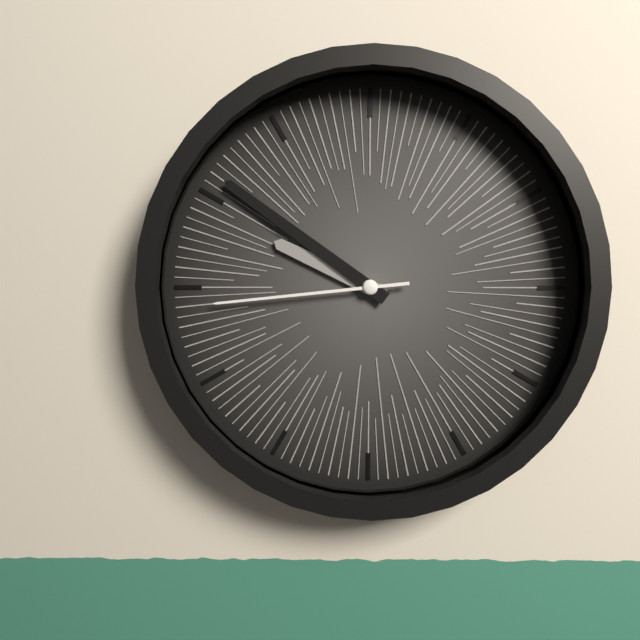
9.51.44
